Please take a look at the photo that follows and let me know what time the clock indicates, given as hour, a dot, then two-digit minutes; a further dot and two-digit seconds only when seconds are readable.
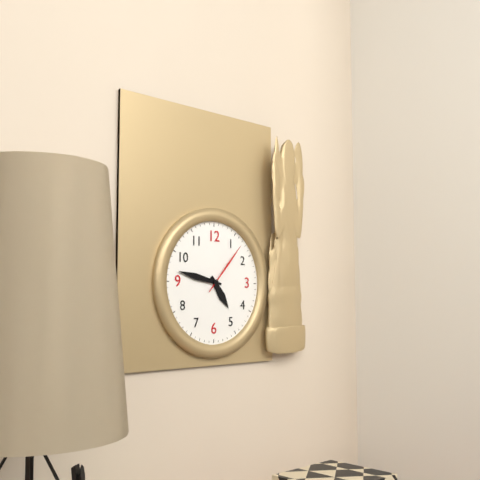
4.47.07
